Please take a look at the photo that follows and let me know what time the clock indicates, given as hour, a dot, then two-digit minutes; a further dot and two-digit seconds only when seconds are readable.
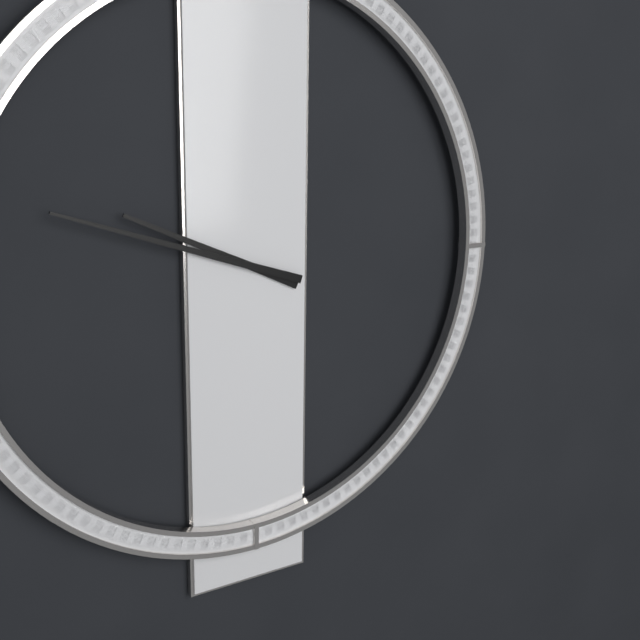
9.48
